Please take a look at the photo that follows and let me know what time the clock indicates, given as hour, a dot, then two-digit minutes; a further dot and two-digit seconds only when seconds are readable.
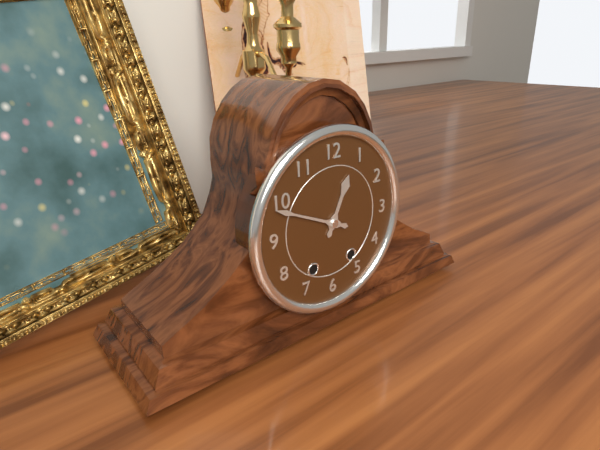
12.49
